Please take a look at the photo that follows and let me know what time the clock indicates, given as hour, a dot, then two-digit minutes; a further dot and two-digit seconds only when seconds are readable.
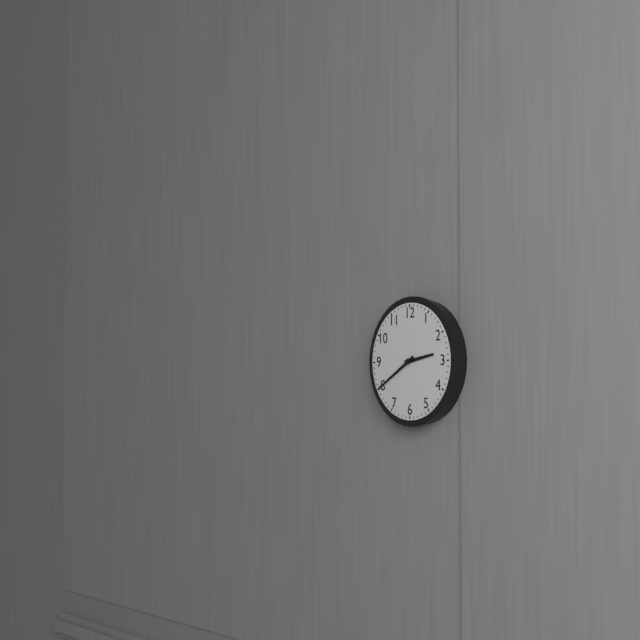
2.40
